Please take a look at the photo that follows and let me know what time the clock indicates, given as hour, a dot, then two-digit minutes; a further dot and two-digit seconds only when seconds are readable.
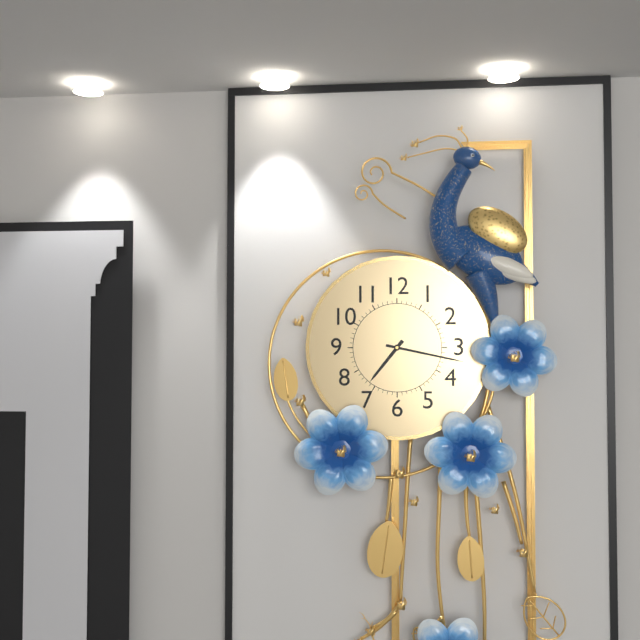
7.17
